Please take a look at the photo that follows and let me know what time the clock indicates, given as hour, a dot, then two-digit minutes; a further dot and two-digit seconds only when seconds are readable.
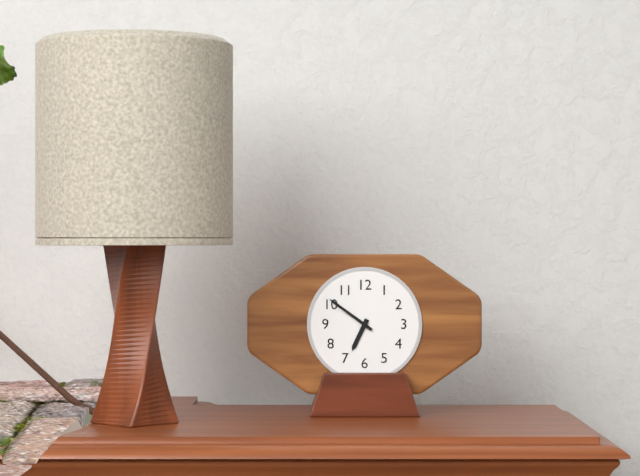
6.51
